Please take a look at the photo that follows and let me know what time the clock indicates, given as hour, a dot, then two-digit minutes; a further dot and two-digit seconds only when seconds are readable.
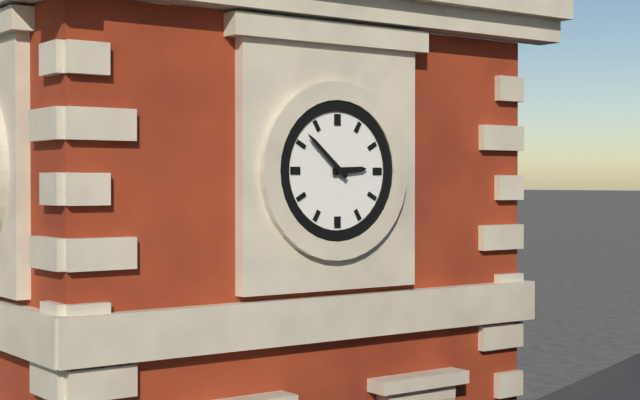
2.52
